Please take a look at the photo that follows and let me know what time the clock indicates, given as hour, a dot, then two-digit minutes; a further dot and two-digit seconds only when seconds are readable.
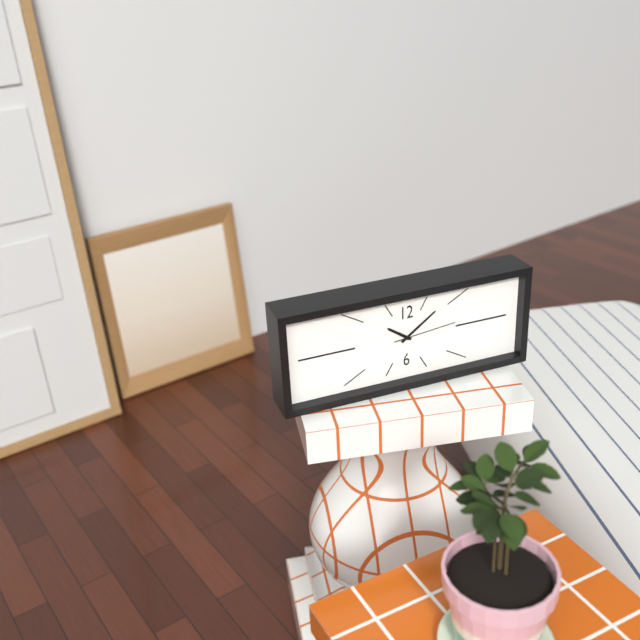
10.09.14
